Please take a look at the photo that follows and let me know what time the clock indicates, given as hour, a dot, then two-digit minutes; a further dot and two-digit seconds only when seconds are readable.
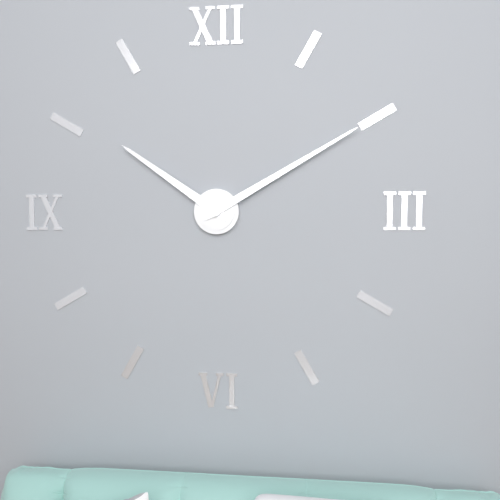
10.10
